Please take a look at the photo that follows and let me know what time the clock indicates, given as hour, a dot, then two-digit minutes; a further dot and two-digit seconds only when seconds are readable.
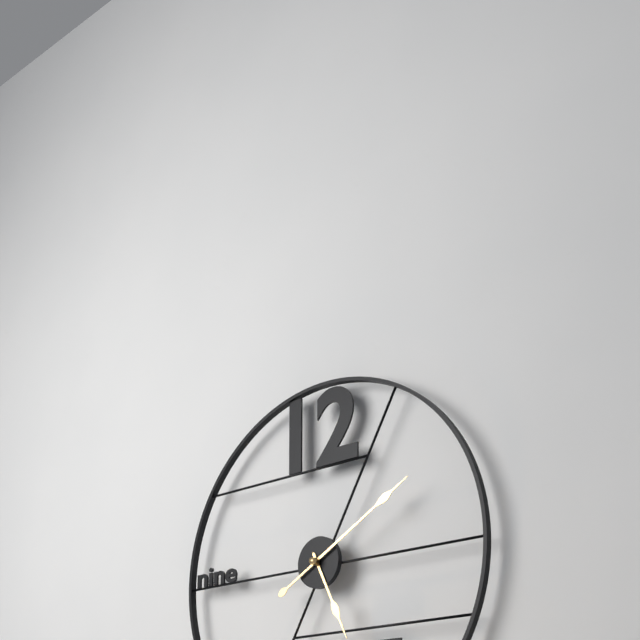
5.10
